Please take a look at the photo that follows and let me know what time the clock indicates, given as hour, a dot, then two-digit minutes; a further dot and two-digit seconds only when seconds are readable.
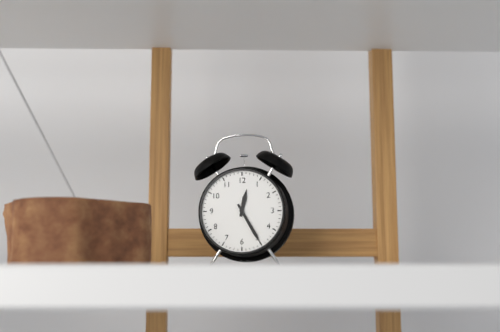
12.25
